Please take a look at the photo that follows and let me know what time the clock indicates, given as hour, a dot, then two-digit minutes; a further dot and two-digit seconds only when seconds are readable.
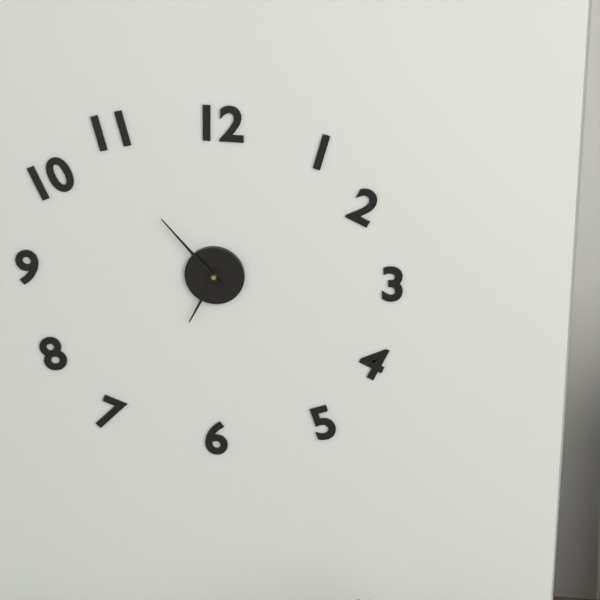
6.53
